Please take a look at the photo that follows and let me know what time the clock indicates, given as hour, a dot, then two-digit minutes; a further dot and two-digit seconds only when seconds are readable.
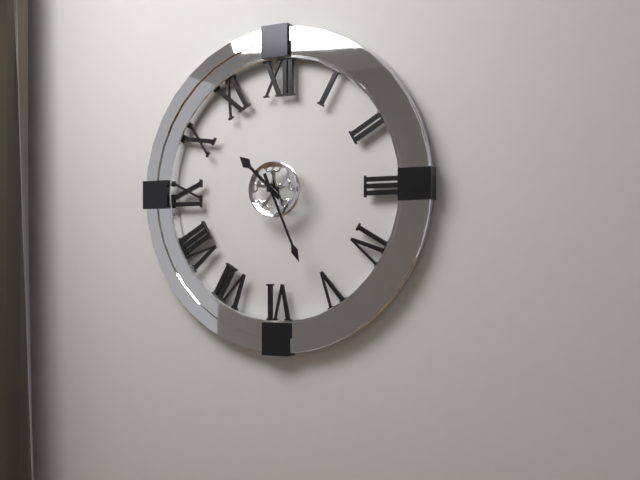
10.26
